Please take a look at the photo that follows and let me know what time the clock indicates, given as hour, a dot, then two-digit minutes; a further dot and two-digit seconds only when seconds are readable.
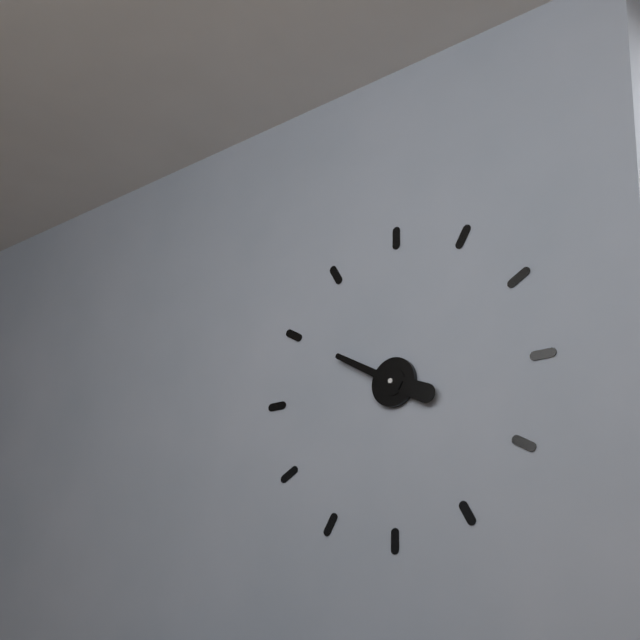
3.50
